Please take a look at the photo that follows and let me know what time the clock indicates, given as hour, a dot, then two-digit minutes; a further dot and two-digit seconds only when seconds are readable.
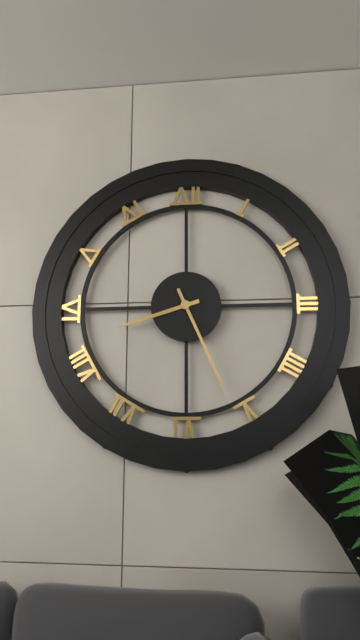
8.26
